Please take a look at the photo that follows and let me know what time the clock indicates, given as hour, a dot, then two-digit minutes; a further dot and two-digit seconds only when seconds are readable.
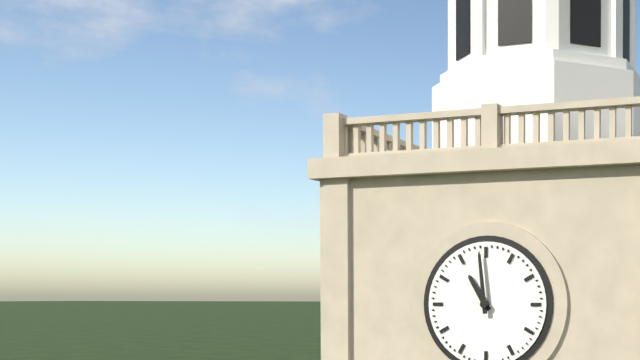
10.59
